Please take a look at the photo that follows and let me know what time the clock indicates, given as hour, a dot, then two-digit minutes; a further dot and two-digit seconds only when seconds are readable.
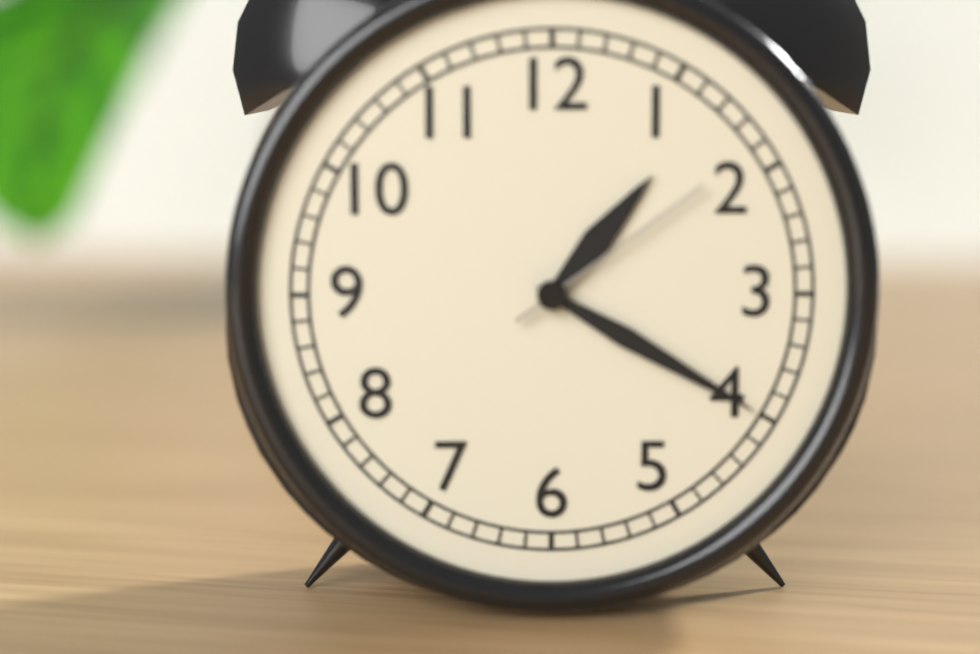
1.20.09
